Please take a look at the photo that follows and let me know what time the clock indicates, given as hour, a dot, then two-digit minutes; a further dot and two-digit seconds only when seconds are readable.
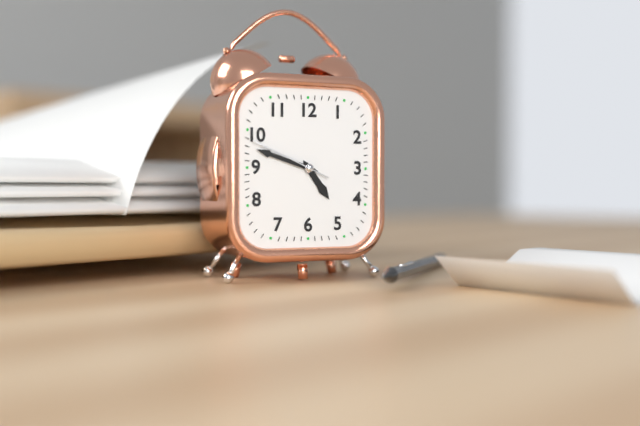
4.48.49
